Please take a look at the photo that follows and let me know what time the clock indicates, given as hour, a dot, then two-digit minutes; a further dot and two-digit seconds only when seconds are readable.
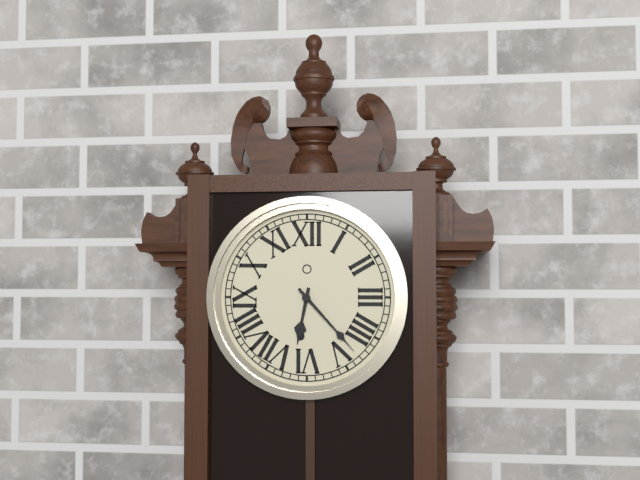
6.23
